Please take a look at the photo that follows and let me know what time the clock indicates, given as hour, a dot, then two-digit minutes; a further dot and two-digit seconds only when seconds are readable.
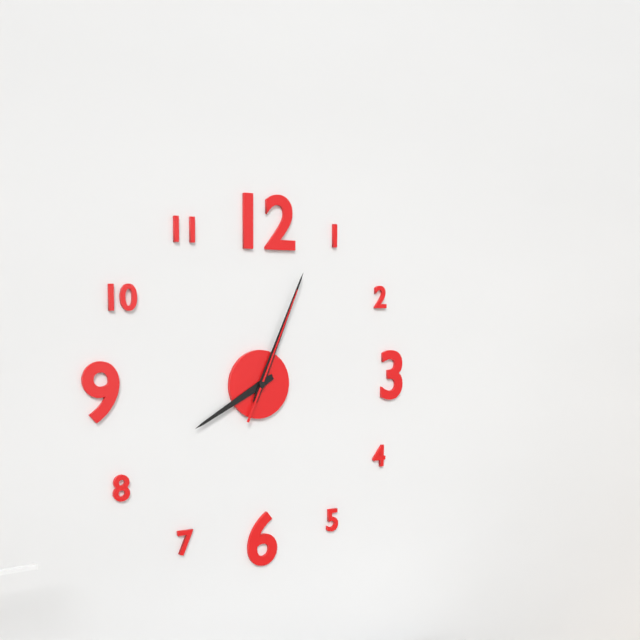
8.04.04
